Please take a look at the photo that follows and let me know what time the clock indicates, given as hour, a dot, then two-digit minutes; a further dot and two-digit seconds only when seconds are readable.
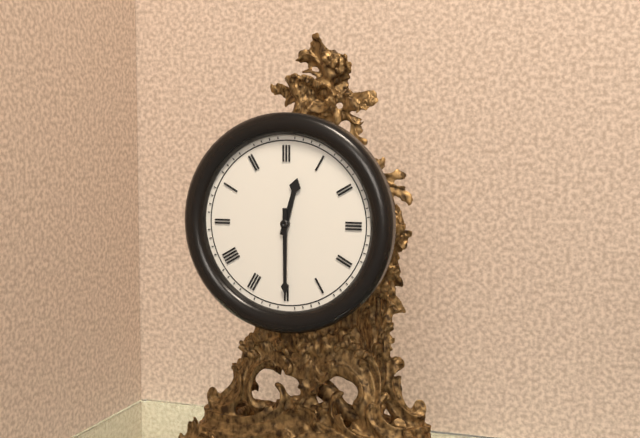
12.30
